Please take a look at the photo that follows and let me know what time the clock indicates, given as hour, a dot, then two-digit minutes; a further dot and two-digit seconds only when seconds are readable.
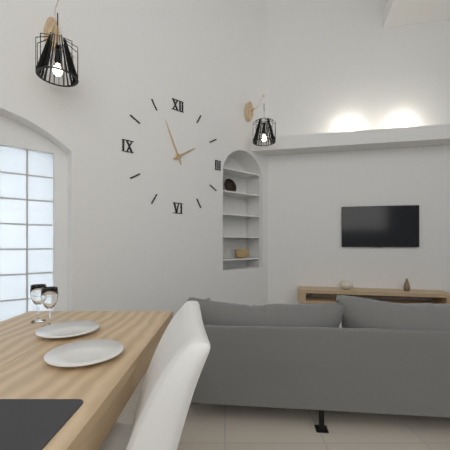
1.56
